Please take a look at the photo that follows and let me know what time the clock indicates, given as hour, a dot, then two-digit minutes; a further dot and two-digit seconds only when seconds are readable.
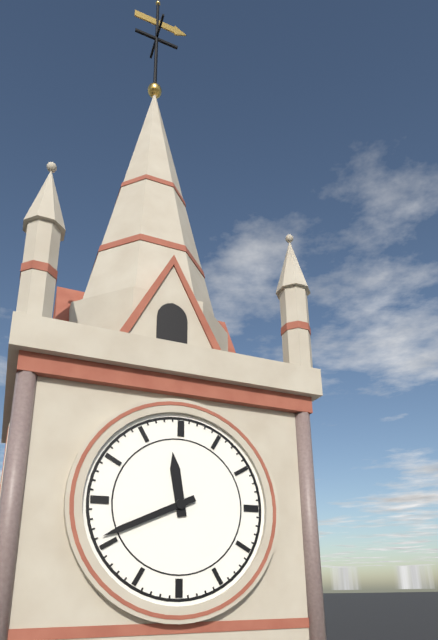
11.41
